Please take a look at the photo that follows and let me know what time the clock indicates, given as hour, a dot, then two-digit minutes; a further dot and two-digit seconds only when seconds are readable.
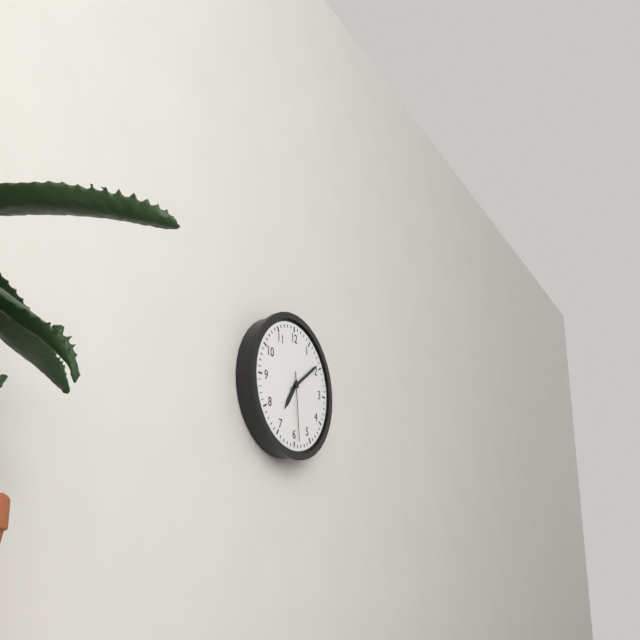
7.09.29
